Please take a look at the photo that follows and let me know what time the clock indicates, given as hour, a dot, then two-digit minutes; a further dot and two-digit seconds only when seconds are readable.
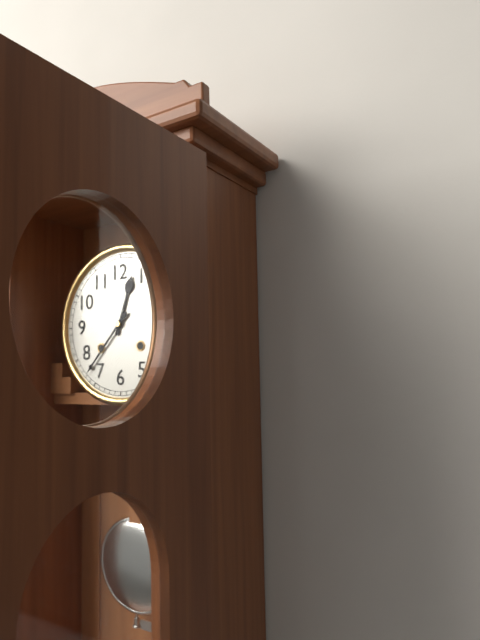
12.37
